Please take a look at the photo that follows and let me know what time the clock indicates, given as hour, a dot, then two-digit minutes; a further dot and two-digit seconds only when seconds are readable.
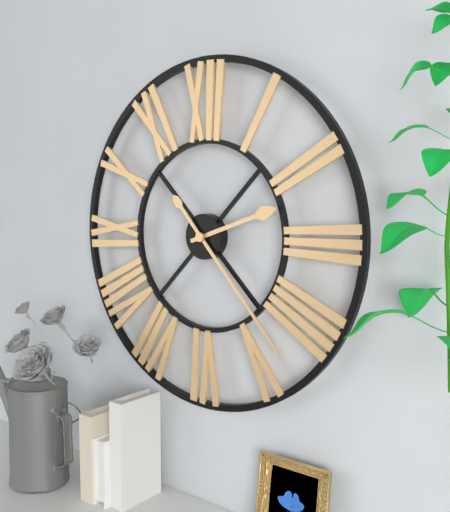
2.23
